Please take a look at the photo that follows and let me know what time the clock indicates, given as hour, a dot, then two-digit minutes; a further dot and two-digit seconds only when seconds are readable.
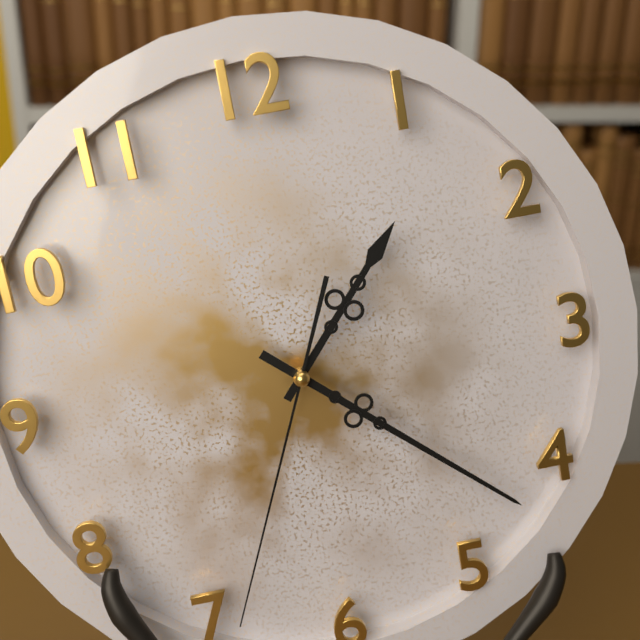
1.22.34
